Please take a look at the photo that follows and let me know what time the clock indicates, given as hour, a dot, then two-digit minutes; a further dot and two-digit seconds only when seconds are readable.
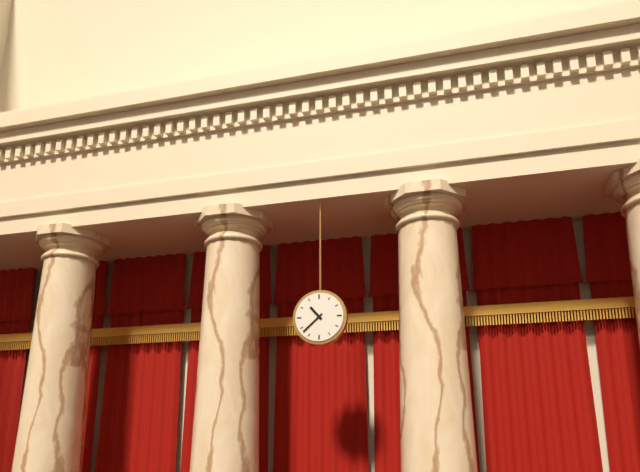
10.38
